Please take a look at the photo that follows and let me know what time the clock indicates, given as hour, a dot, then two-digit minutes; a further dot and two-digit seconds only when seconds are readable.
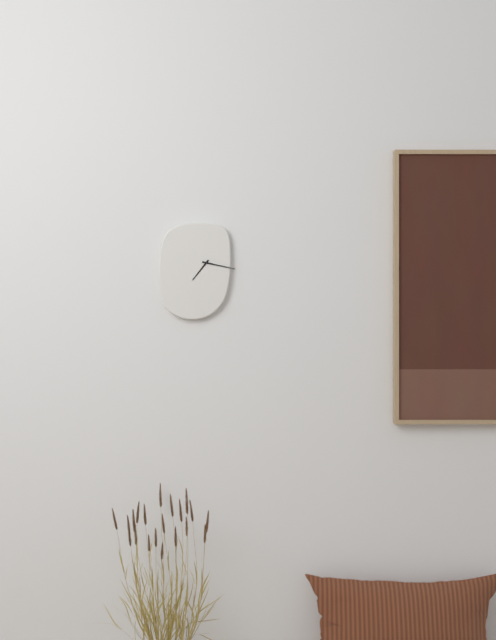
7.17
